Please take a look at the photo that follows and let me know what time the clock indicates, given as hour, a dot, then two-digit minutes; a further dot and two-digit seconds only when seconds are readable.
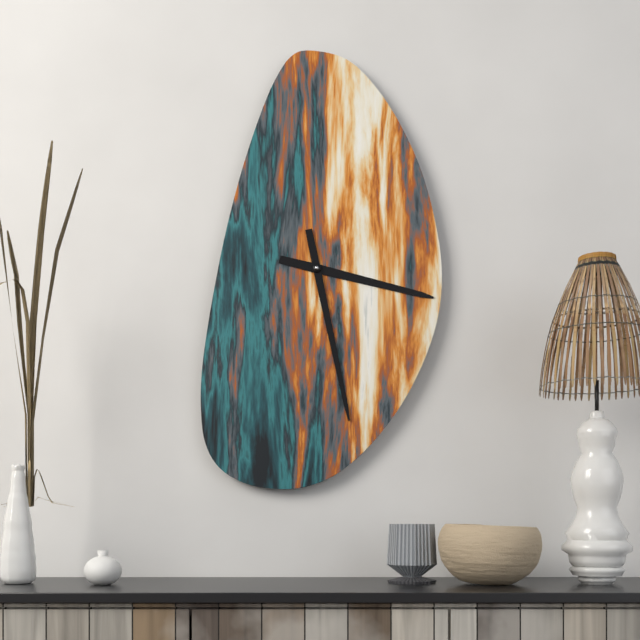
3.28
